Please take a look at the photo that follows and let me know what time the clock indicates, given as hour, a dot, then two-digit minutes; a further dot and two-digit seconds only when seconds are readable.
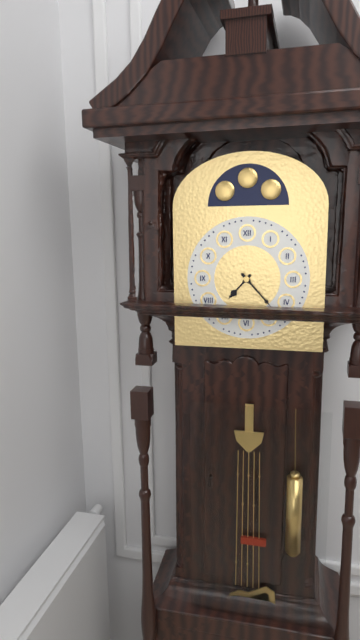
7.23
